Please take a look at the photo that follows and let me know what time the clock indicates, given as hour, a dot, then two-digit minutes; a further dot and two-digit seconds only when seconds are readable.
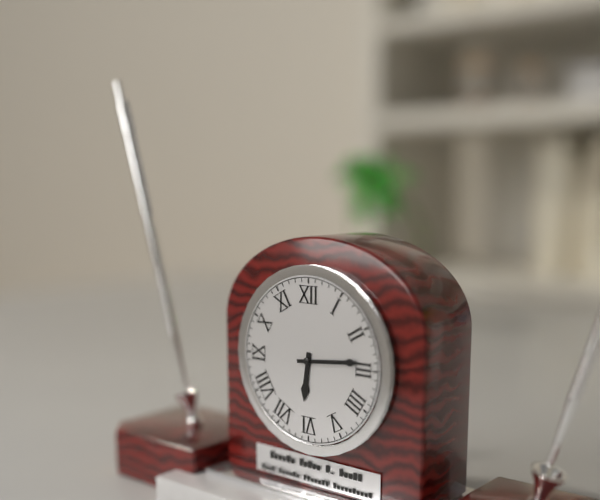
6.14
